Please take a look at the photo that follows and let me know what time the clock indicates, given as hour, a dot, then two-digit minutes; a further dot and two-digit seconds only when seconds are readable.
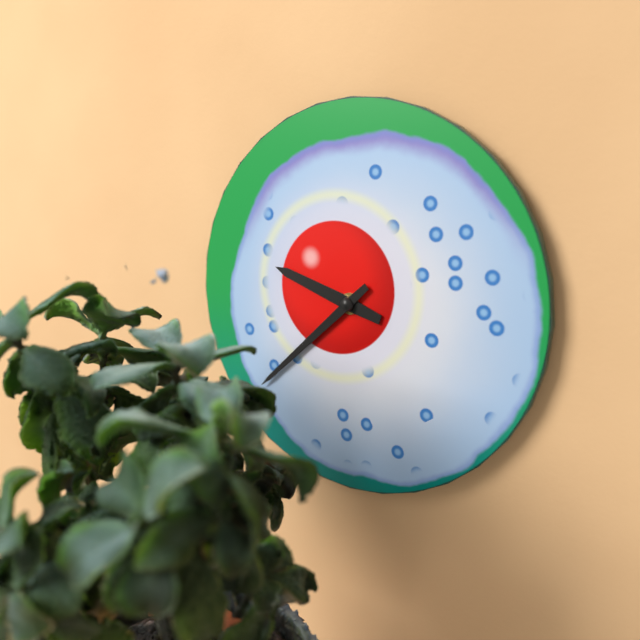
9.38
